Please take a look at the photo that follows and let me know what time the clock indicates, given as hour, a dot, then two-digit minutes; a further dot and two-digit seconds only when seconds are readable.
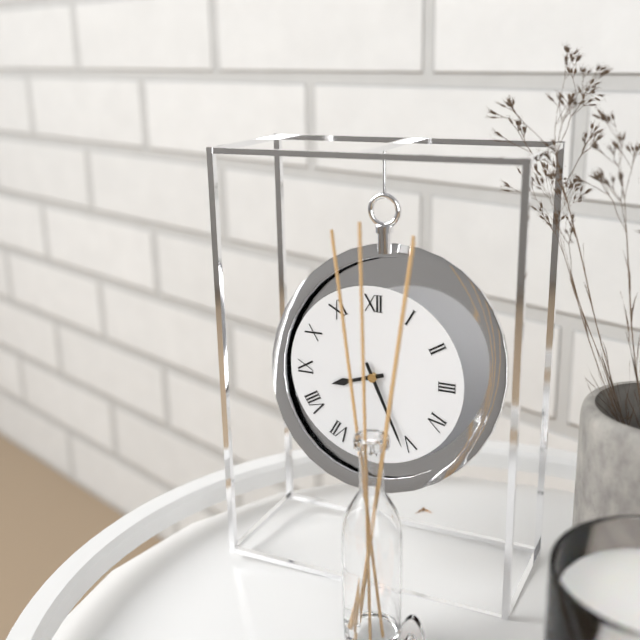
8.26
